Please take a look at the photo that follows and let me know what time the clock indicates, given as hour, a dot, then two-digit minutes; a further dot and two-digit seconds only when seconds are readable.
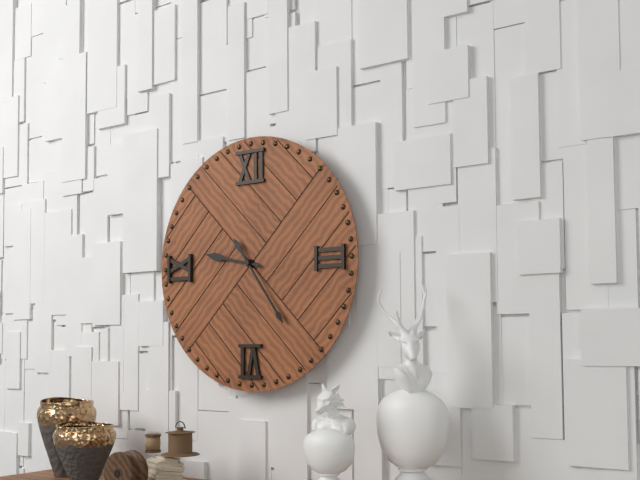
9.24
